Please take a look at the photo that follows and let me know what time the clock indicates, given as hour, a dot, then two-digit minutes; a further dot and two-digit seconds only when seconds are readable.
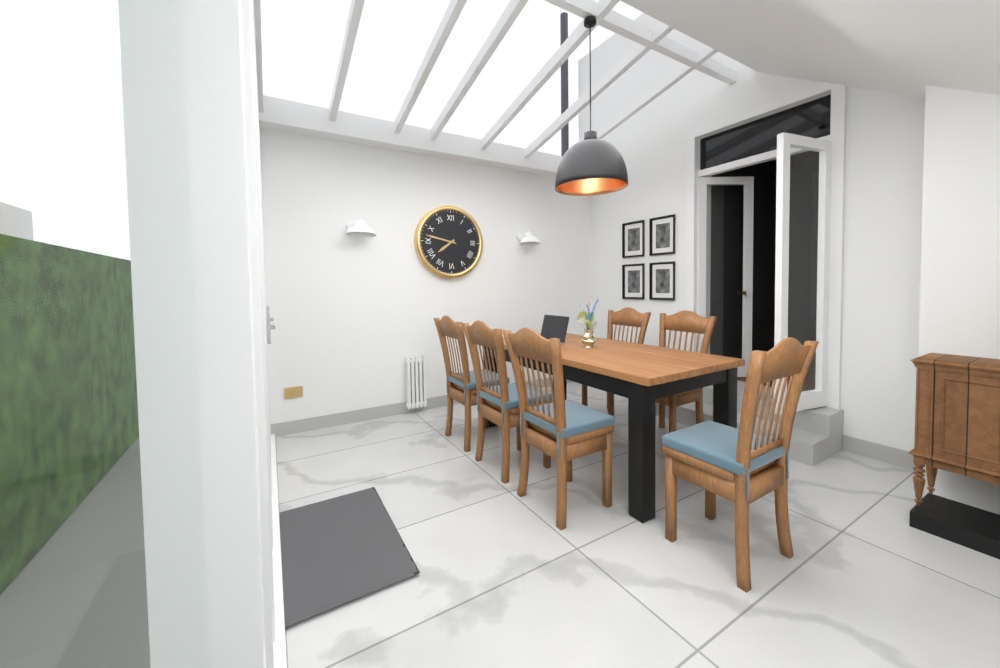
7.47
